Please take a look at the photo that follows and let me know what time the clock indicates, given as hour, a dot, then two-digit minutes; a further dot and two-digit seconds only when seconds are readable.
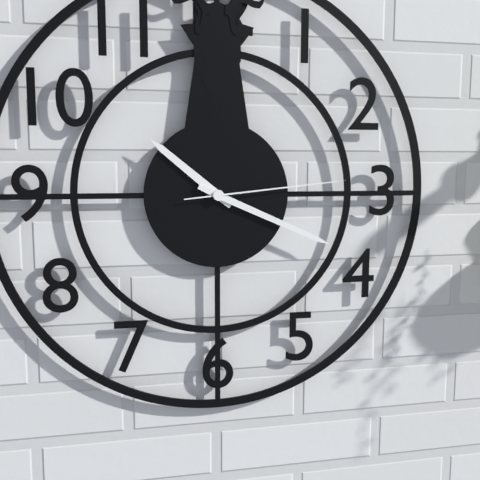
10.19.14
